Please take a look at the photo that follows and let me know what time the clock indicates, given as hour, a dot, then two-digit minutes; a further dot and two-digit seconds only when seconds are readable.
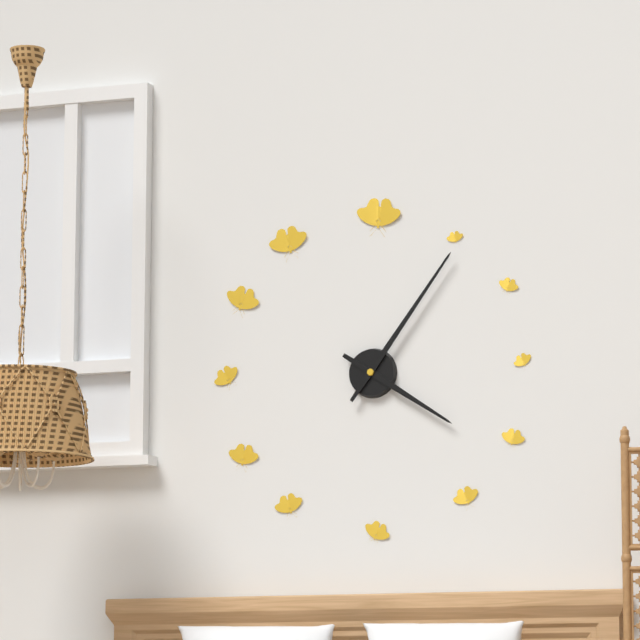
4.06
